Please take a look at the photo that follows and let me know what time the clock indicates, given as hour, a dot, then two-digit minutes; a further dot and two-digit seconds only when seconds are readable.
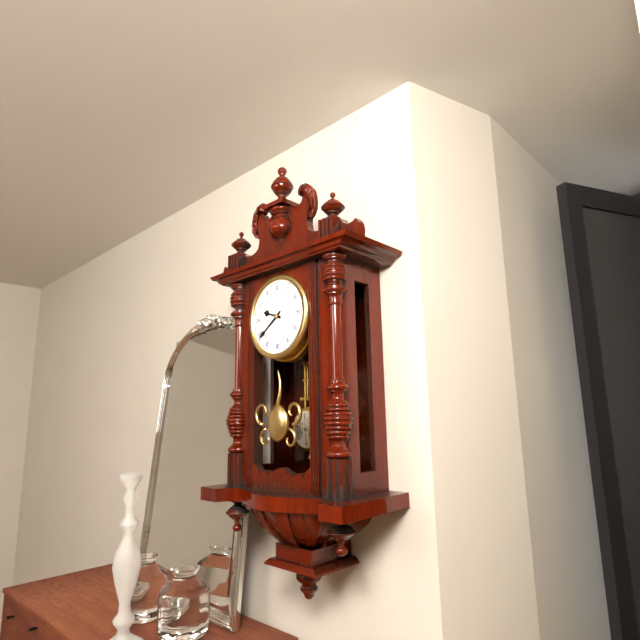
9.39
